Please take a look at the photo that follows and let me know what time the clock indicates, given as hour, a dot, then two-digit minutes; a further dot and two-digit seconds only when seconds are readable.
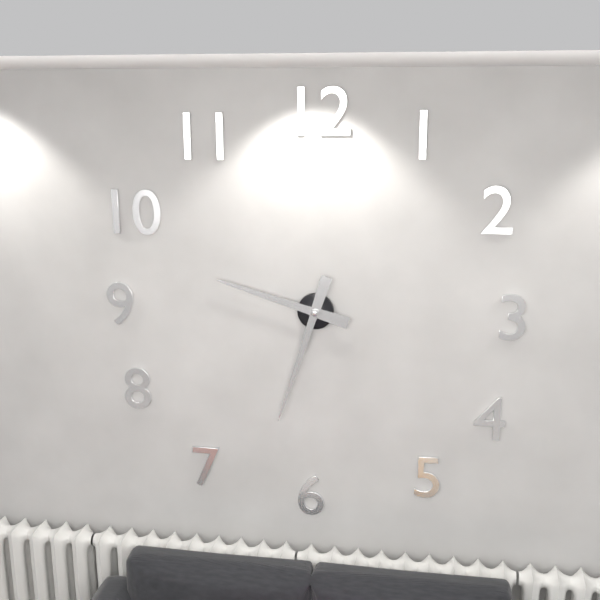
9.33
